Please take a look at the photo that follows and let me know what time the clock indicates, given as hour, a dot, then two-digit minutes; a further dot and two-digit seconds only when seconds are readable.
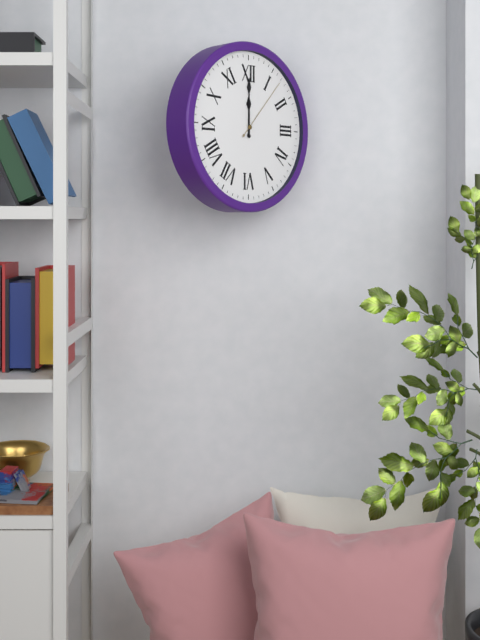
12.00.07
